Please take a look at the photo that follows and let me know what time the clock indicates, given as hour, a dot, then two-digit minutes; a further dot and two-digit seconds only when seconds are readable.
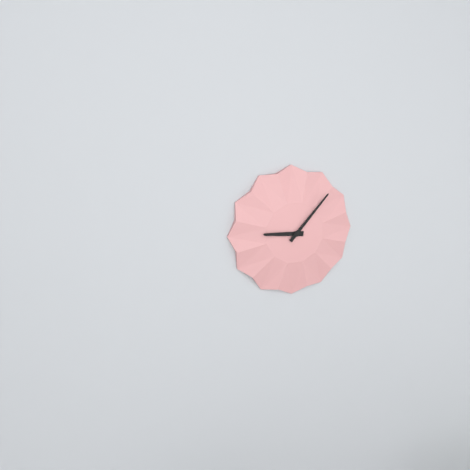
9.07
